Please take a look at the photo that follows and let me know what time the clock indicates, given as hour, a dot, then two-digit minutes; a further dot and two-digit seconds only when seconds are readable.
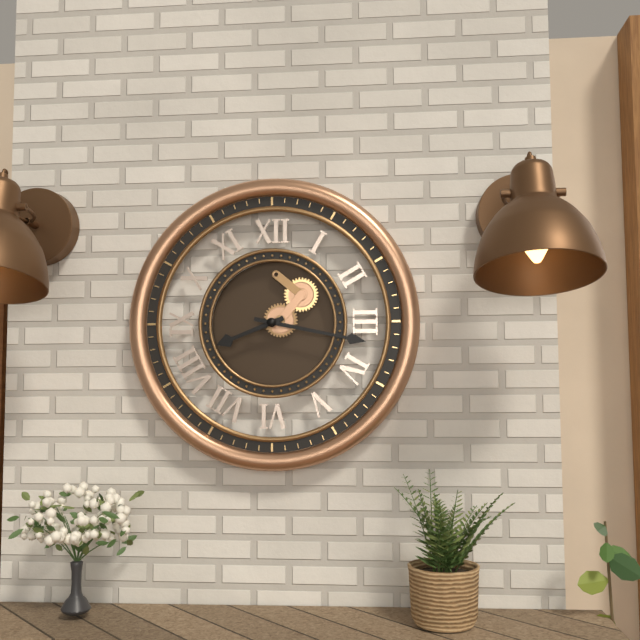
8.17
